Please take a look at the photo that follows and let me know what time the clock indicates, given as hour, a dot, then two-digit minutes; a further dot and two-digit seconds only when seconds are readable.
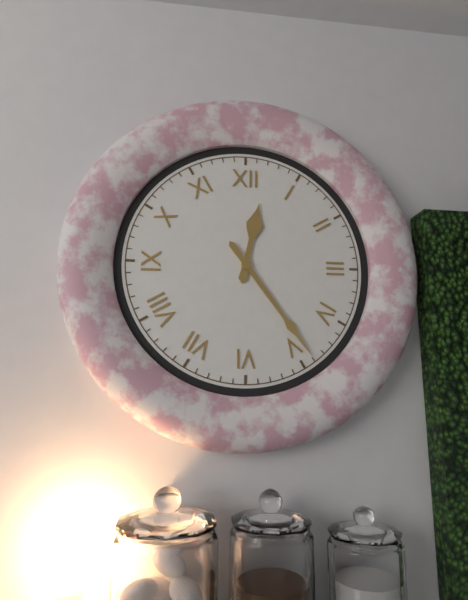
12.24
